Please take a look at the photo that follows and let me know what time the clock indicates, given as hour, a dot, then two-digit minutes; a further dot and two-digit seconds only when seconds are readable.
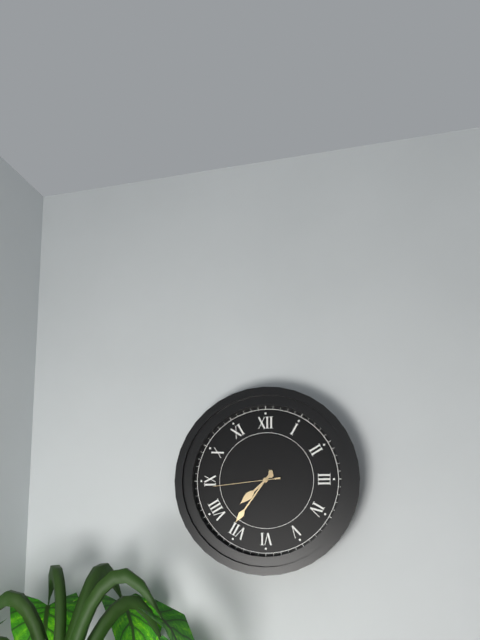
7.36.44
